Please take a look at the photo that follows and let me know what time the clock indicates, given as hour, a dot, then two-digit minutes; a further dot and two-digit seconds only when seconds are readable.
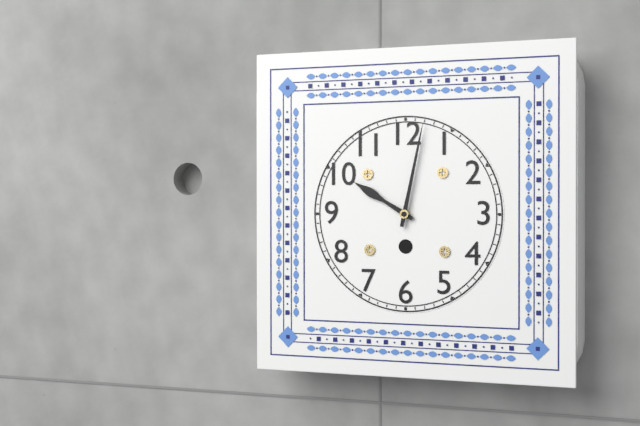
10.02
